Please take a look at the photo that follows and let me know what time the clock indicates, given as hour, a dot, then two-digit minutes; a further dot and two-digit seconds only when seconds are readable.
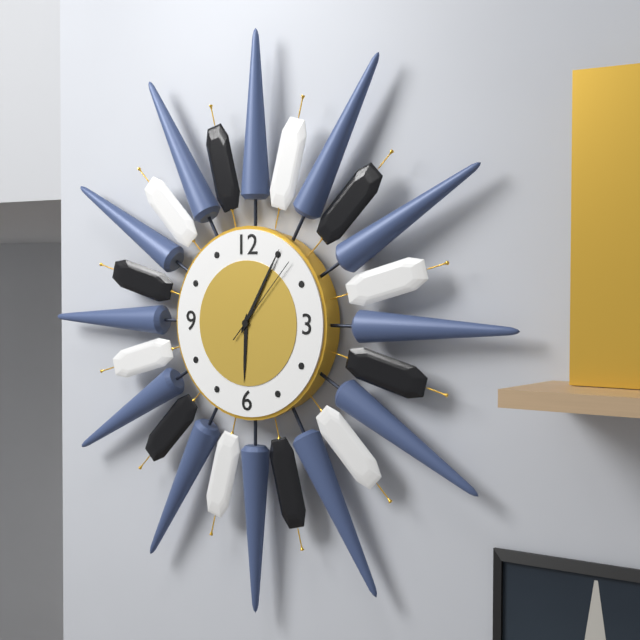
6.05.07
